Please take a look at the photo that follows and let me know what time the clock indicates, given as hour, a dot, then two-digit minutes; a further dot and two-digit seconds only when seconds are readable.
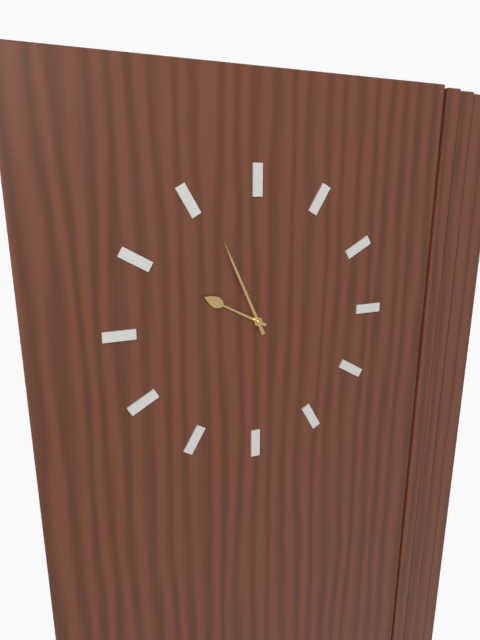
9.56
